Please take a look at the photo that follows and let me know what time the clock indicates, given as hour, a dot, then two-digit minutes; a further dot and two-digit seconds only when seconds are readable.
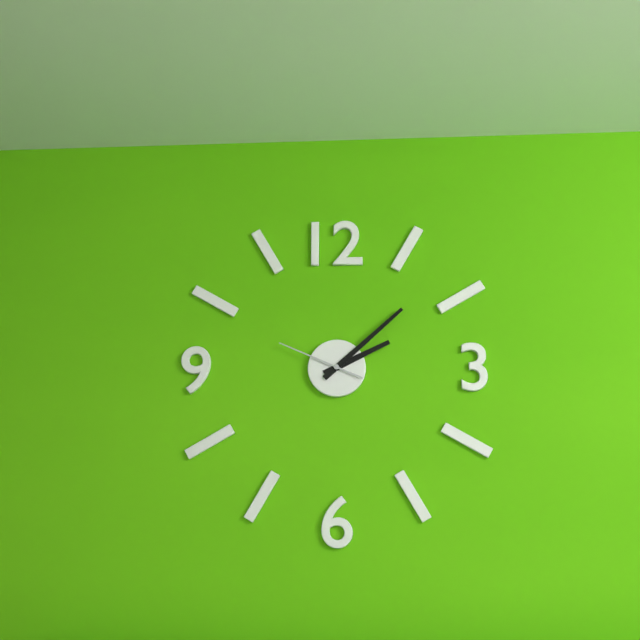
2.08.49
